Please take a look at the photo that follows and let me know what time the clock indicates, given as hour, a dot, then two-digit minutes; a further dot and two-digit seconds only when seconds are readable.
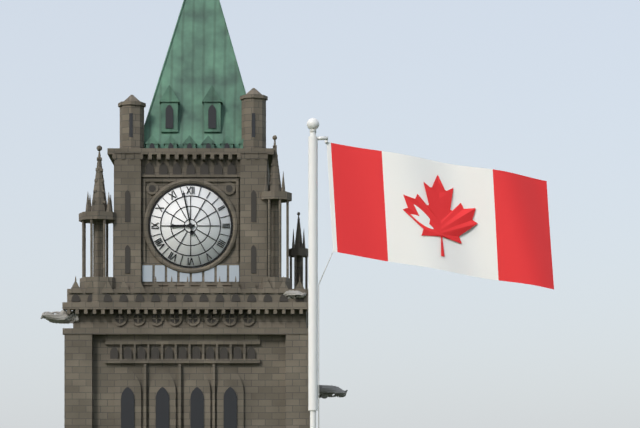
8.58
